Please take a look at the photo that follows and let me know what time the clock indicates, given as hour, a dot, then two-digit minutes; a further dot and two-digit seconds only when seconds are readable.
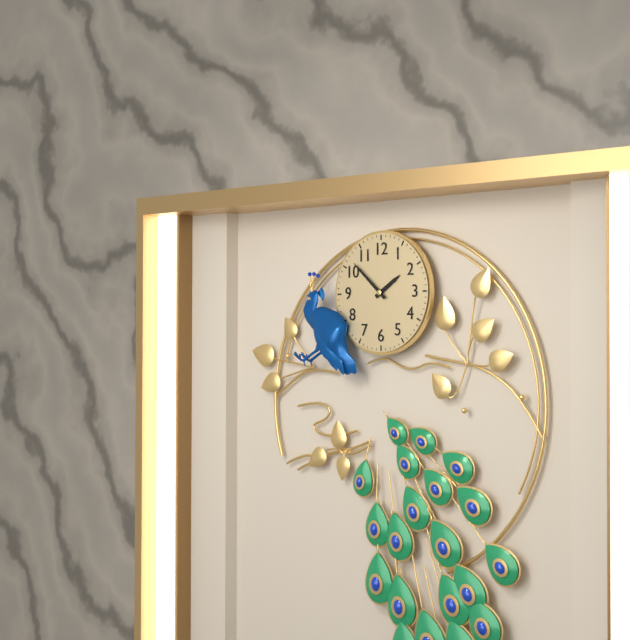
1.52
